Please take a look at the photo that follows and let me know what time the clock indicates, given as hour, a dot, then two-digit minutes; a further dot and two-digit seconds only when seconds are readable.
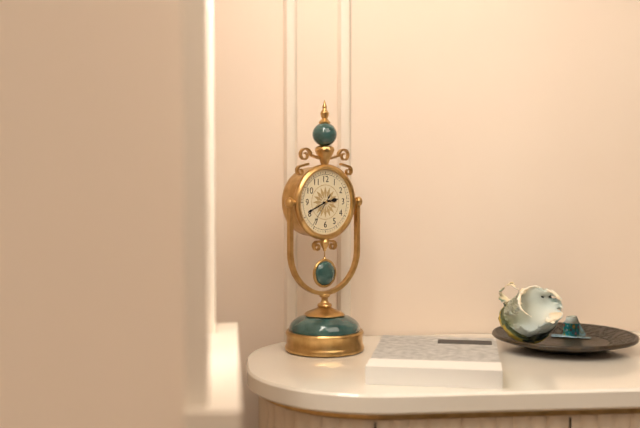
2.41
